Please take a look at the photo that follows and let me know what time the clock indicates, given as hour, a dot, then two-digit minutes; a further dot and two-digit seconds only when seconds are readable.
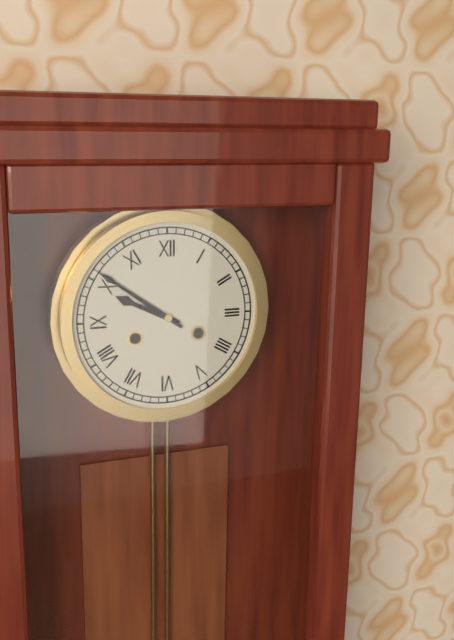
9.51
